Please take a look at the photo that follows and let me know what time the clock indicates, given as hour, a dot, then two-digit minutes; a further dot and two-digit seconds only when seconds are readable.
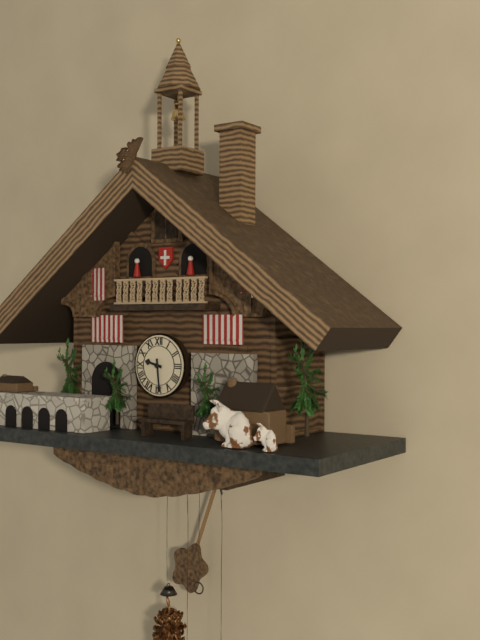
9.29
